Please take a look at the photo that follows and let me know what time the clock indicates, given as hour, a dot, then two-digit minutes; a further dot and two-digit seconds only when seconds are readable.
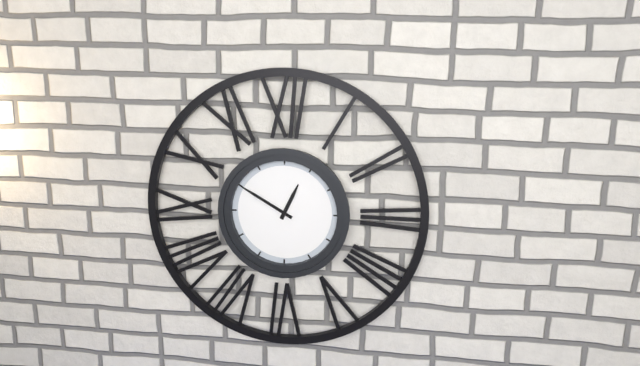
12.50
